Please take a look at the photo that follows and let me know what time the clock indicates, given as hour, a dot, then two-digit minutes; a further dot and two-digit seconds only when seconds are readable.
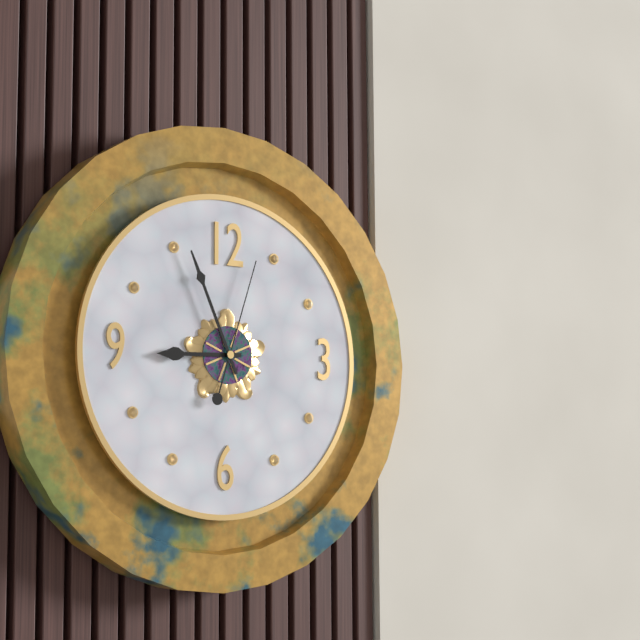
8.56.03
